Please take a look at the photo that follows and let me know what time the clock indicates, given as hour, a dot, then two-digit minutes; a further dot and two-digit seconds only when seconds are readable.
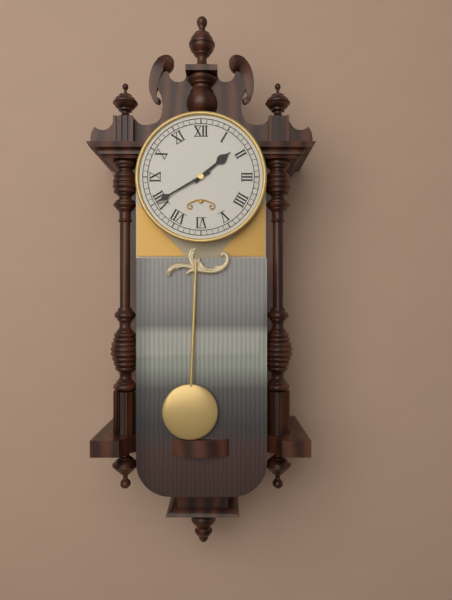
1.40
